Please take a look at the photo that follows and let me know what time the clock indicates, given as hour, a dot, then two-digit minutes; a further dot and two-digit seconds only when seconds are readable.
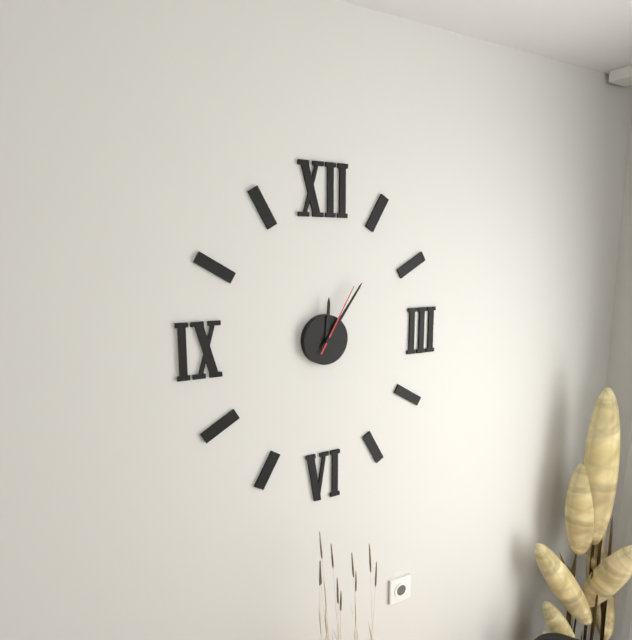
12.06.05
